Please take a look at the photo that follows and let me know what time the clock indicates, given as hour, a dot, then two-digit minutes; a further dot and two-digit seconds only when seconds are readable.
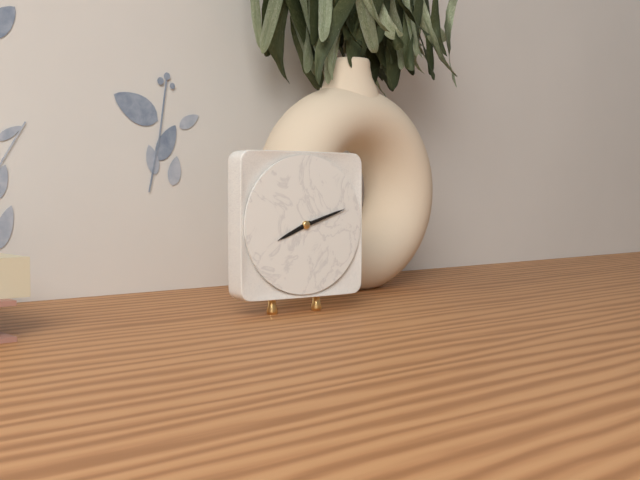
8.12
